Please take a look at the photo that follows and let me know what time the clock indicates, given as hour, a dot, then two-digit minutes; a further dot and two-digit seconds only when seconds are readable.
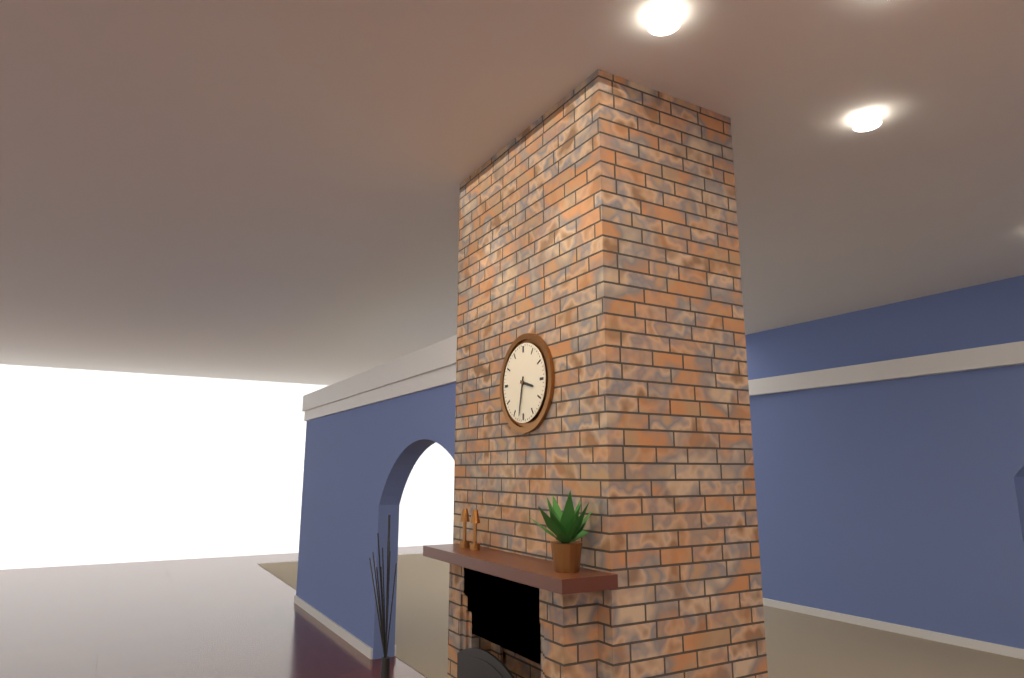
3.32
